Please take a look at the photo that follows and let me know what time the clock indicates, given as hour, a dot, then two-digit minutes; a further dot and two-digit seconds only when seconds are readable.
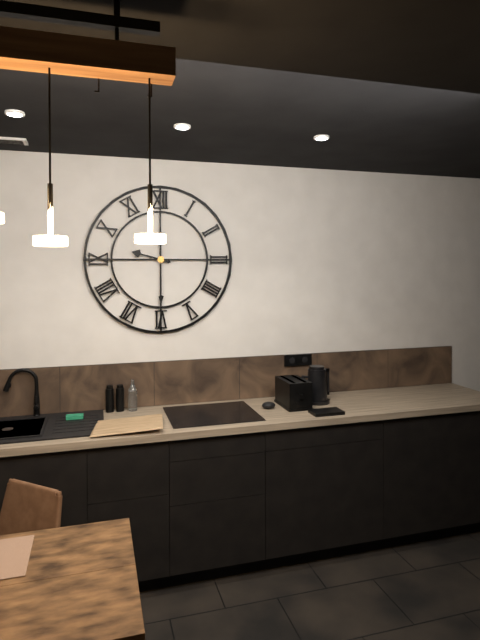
9.30
